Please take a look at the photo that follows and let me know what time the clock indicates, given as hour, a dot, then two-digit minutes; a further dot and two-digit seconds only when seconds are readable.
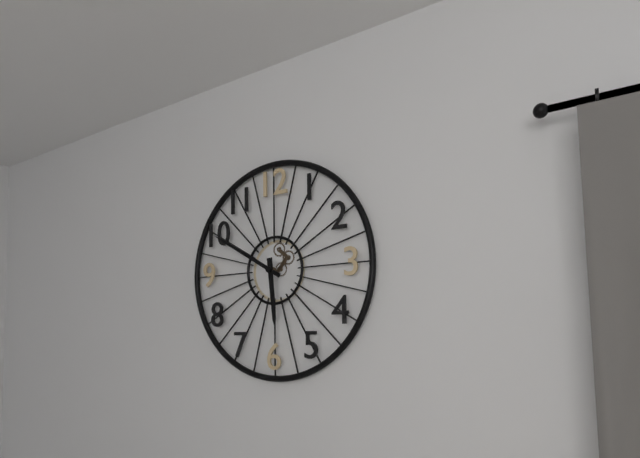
5.50
